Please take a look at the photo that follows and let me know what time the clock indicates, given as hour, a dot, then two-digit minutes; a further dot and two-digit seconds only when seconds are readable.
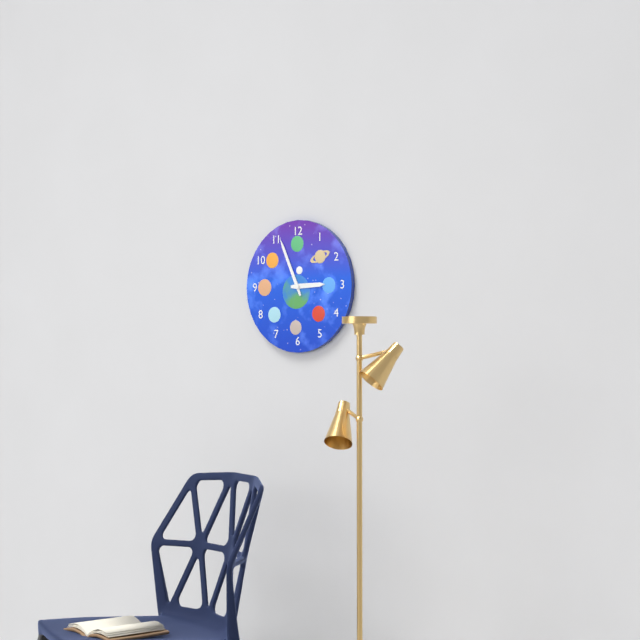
2.56
